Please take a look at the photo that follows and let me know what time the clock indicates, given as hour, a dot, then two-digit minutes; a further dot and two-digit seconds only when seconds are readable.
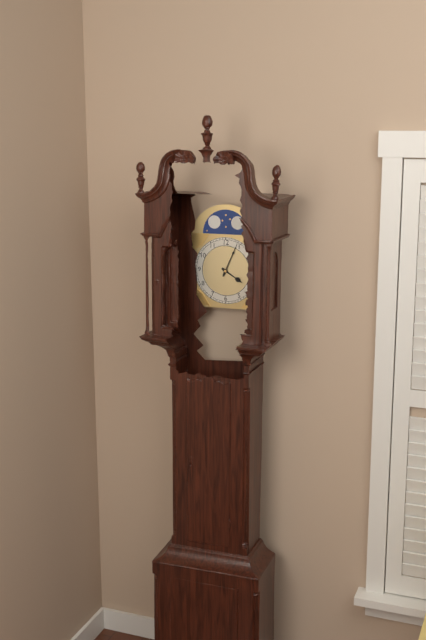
4.04
